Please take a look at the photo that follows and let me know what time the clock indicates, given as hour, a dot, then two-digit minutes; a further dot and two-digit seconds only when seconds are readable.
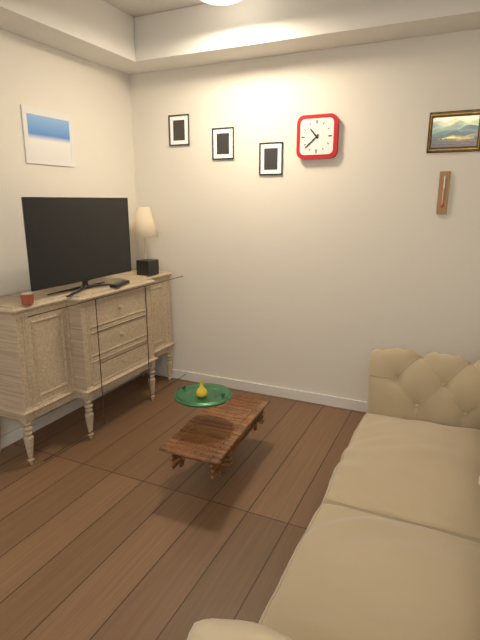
10.38
